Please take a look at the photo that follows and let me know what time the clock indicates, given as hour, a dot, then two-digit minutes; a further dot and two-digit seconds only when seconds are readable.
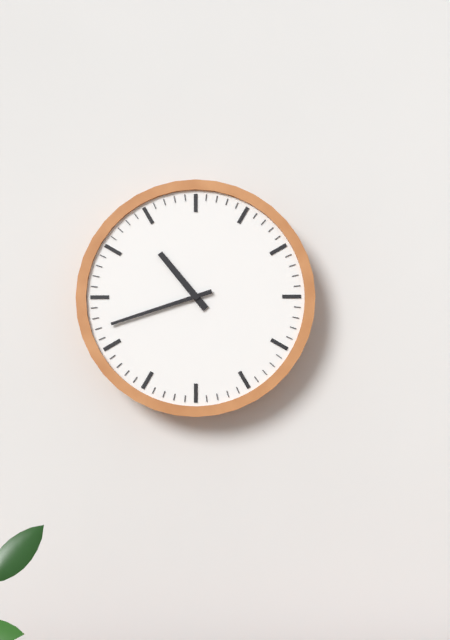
10.42
